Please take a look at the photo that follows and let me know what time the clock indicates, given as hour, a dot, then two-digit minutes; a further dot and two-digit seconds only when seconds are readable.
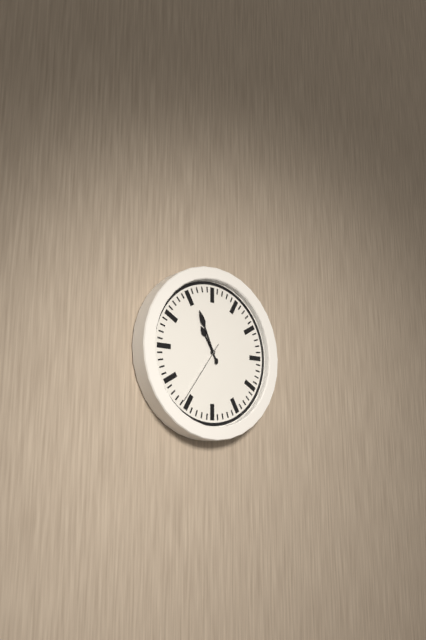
10.56.36
